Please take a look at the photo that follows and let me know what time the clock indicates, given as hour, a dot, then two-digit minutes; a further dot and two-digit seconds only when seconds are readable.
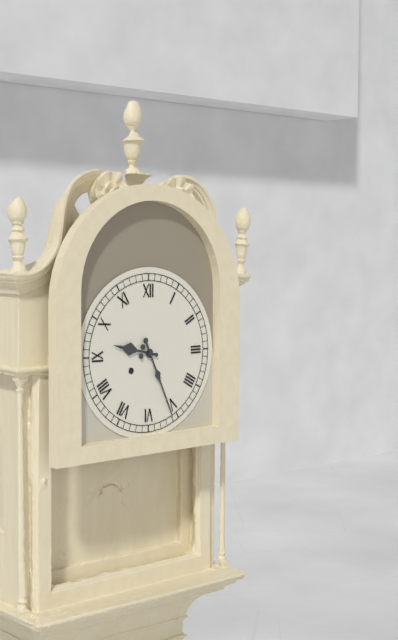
9.26
